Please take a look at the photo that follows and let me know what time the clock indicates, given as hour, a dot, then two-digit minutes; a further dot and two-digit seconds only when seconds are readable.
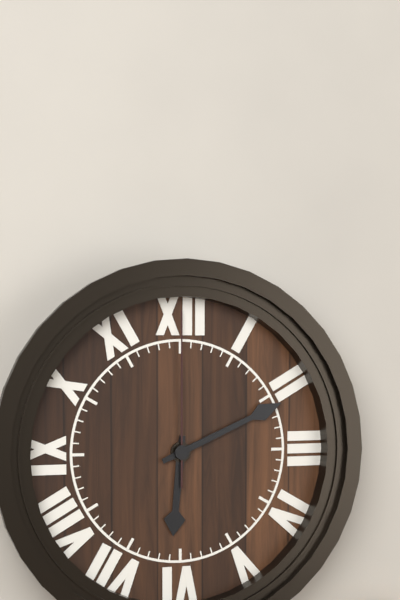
6.11.00
